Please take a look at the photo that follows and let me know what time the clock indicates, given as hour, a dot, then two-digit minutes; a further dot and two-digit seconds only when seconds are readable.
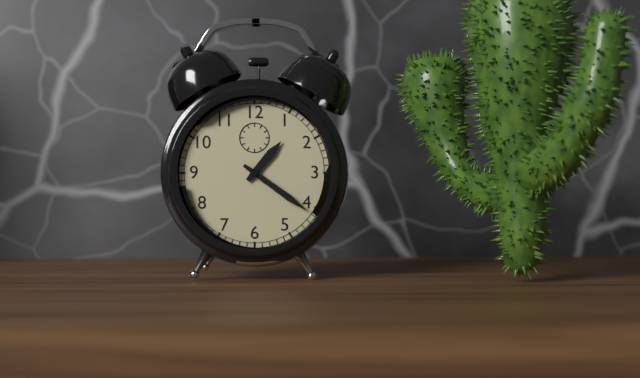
1.21
